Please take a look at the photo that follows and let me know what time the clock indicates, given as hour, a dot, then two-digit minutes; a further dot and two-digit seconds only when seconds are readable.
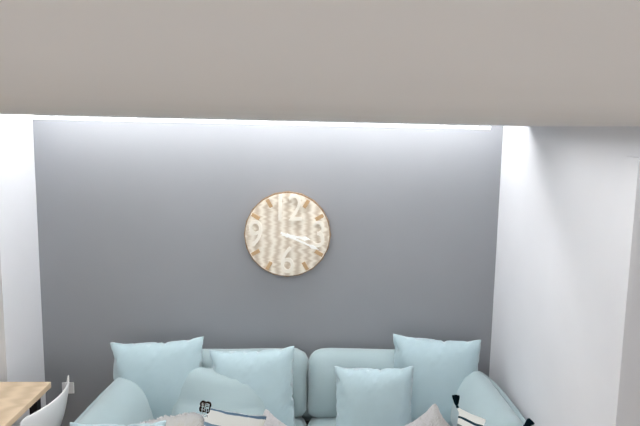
3.19
